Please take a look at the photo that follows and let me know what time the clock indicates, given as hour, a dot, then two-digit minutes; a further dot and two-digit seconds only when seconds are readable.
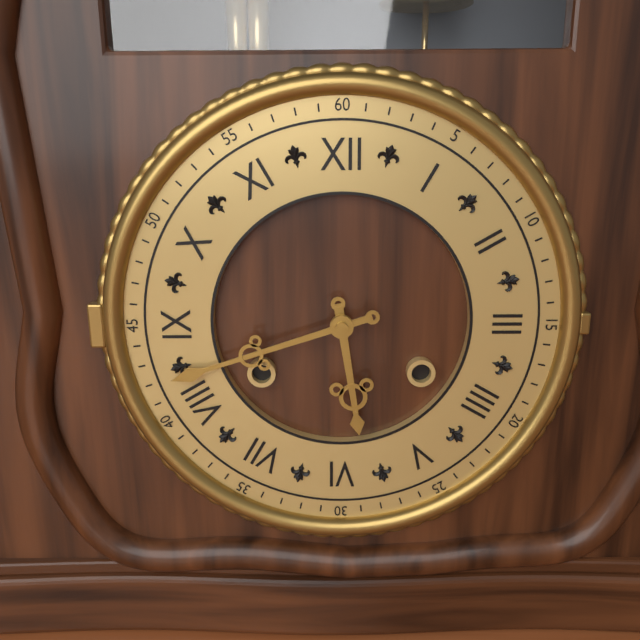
5.42
